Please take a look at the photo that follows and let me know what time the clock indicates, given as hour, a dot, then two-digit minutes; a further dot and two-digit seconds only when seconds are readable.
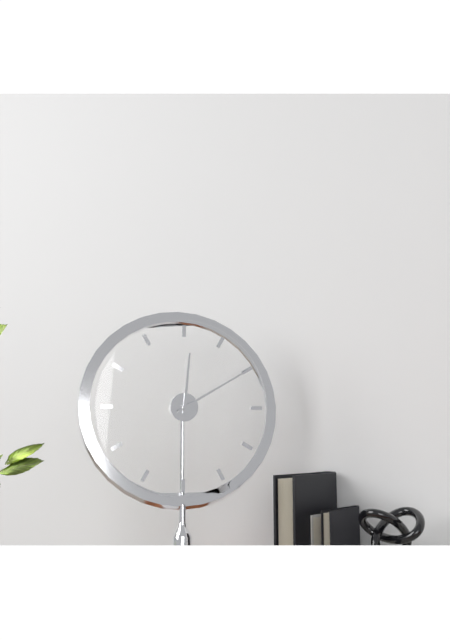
12.10
